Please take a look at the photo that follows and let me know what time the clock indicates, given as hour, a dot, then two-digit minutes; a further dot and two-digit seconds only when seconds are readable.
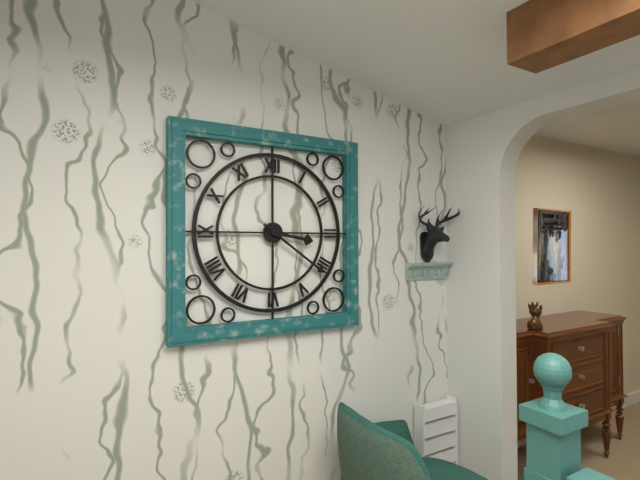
3.21
